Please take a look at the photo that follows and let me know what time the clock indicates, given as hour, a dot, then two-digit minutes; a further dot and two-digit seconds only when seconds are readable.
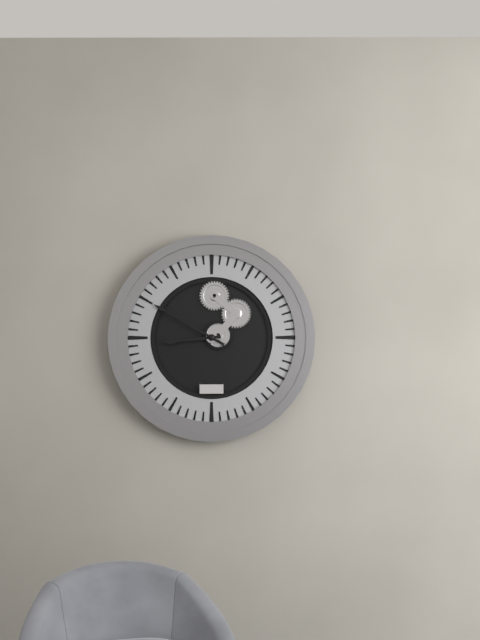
8.50
